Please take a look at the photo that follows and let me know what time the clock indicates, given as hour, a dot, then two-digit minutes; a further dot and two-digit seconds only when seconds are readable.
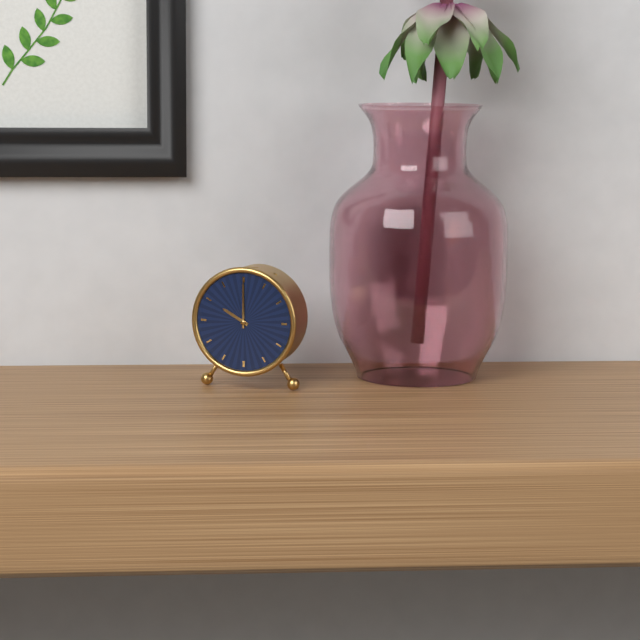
10.00
